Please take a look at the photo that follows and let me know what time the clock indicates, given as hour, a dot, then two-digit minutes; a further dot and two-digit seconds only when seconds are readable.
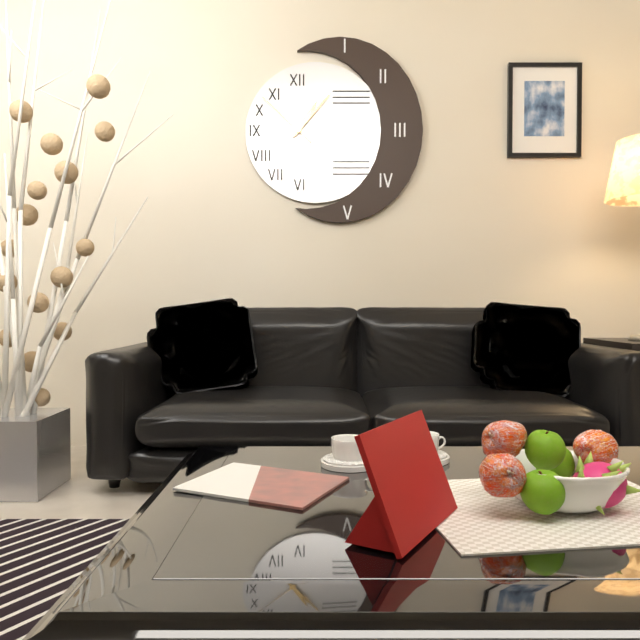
1.07.52
